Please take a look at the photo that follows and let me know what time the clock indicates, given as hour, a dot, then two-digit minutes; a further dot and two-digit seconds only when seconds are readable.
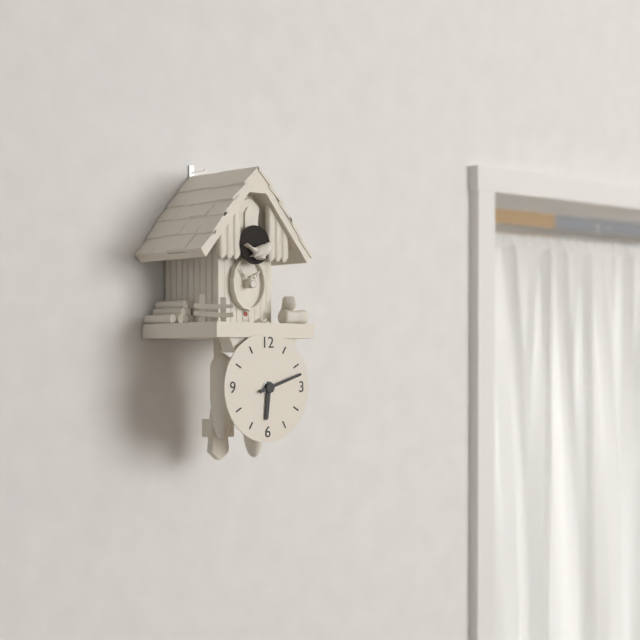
6.12
